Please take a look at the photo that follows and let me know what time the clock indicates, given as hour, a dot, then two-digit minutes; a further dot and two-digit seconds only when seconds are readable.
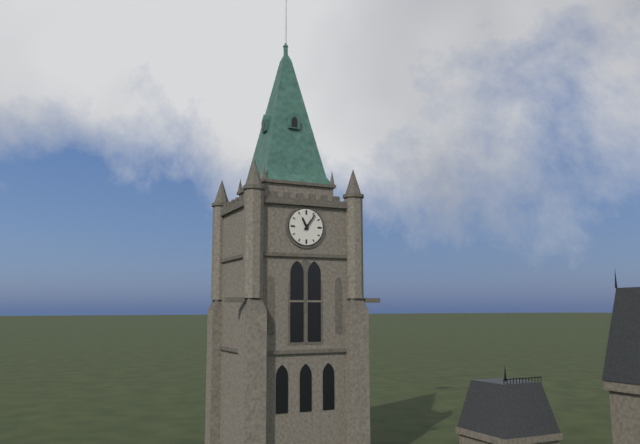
11.06
